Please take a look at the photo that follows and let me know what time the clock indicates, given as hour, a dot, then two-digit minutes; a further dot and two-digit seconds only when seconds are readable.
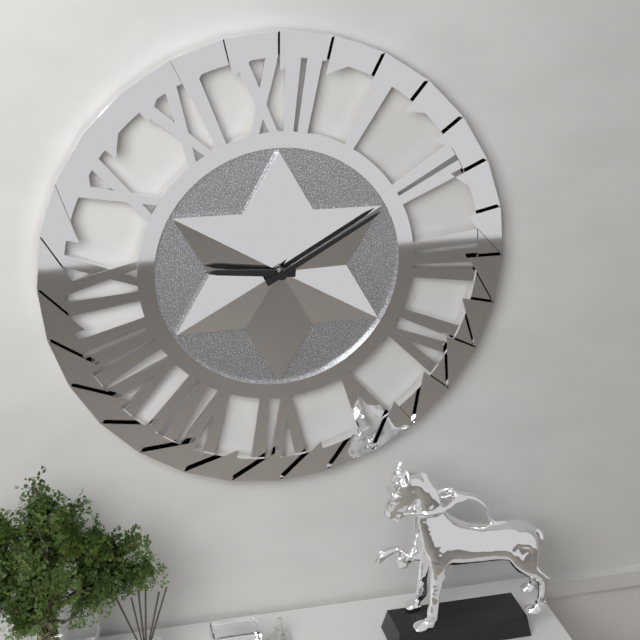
9.10
